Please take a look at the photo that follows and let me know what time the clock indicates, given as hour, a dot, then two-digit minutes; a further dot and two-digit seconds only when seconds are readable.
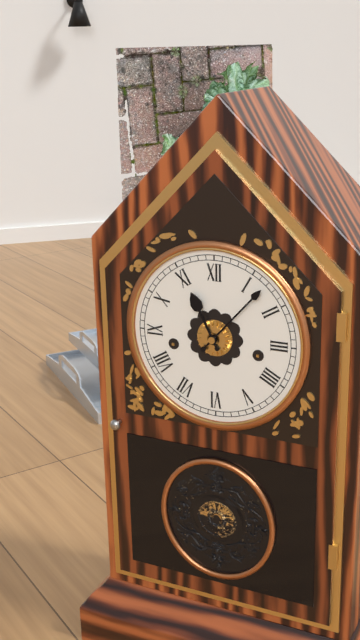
11.07
